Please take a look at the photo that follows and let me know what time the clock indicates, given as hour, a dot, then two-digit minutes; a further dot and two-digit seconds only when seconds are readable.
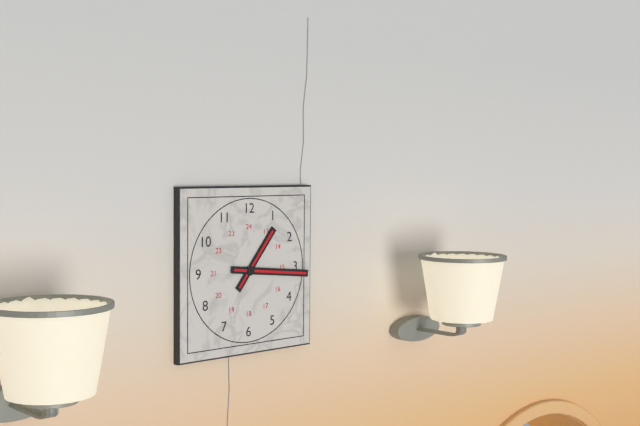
1.16
